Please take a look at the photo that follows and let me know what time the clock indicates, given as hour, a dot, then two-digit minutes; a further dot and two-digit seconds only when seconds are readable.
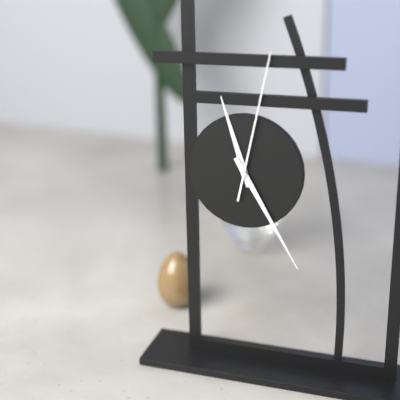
11.25.02
